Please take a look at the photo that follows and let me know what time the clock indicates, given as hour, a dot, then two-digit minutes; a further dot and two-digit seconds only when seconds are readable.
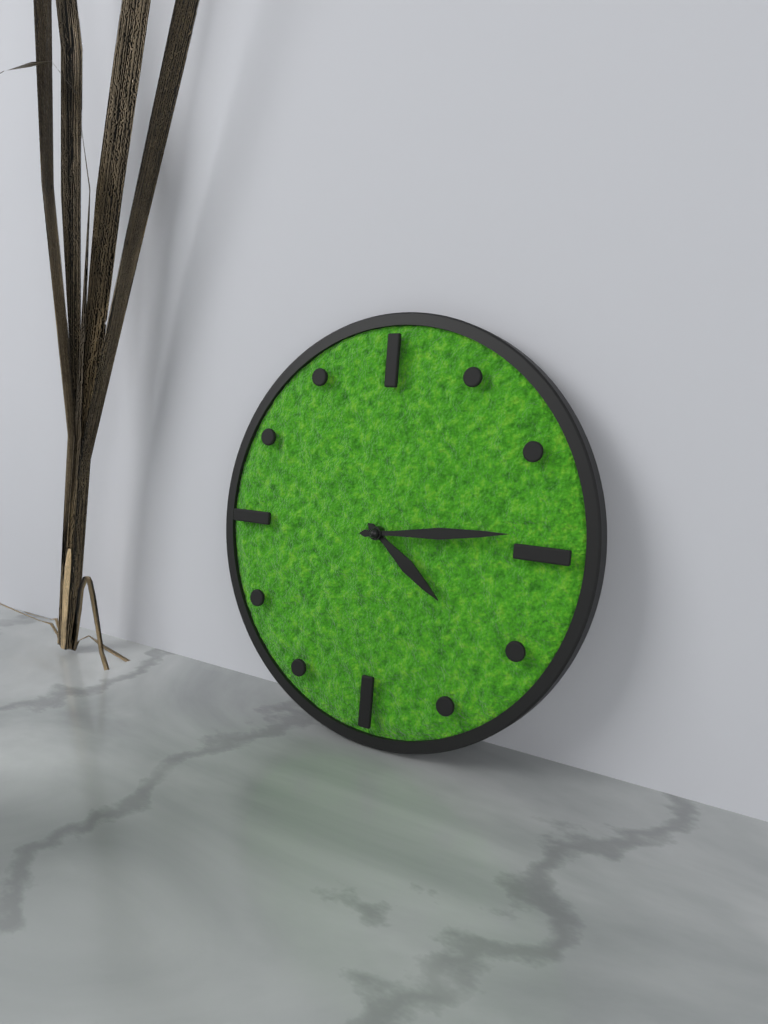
4.14
